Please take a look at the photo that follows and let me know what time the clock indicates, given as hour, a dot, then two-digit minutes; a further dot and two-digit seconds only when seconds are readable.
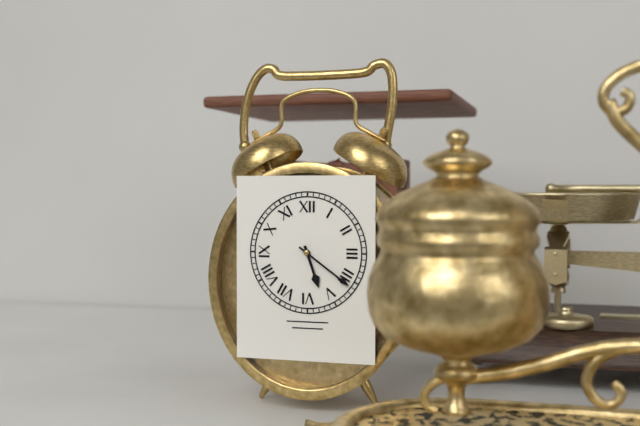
5.21
